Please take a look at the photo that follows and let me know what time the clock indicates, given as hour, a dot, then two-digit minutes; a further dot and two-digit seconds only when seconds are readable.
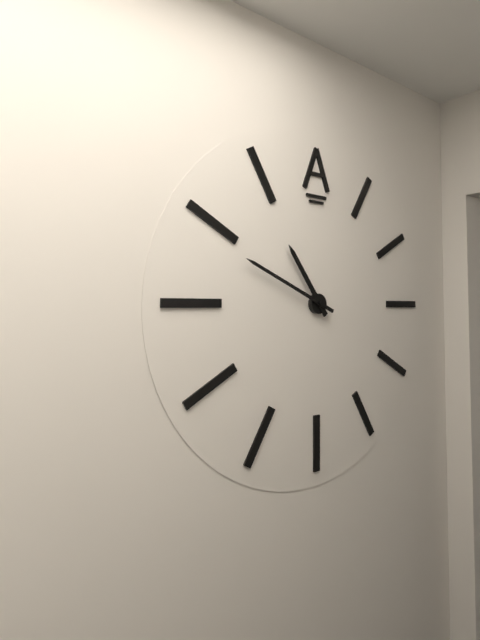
10.49
